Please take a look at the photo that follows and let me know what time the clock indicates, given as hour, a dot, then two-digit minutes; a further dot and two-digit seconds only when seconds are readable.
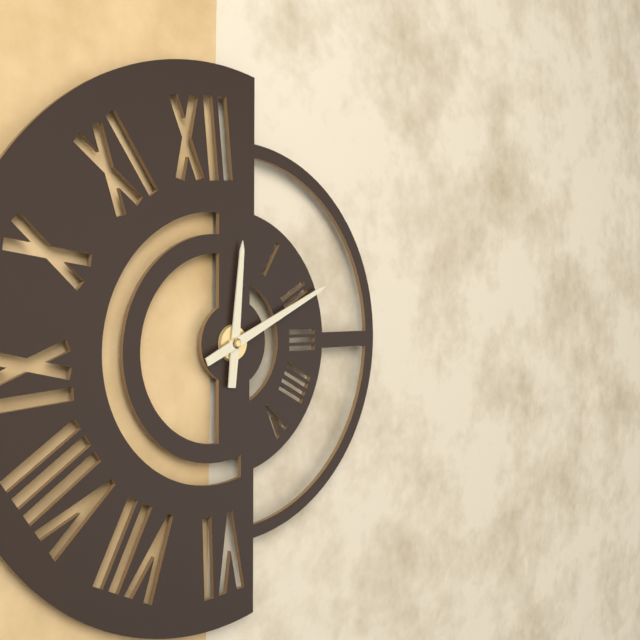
12.11
